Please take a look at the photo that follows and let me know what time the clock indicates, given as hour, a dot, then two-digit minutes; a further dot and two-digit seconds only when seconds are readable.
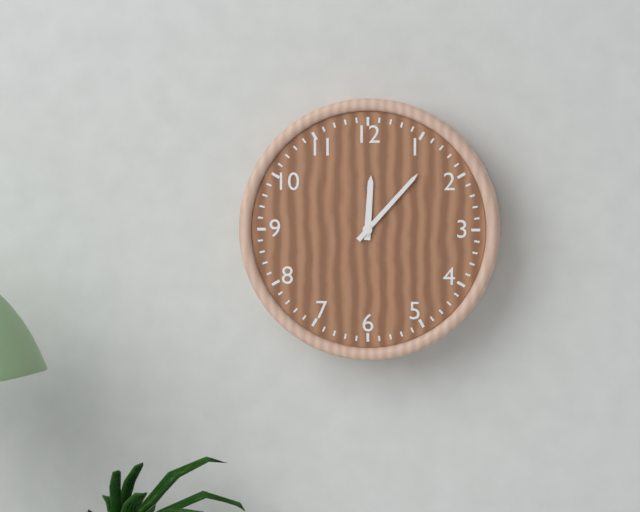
12.07
